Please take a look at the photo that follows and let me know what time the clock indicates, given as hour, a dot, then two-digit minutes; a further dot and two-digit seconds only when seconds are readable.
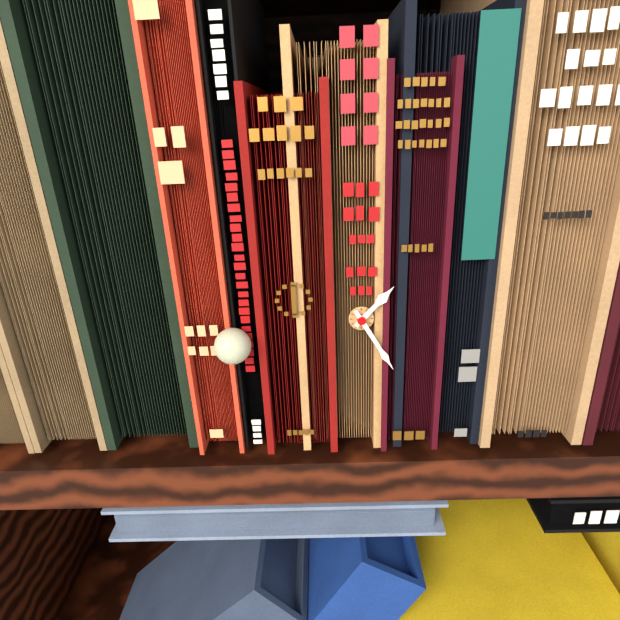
1.25
